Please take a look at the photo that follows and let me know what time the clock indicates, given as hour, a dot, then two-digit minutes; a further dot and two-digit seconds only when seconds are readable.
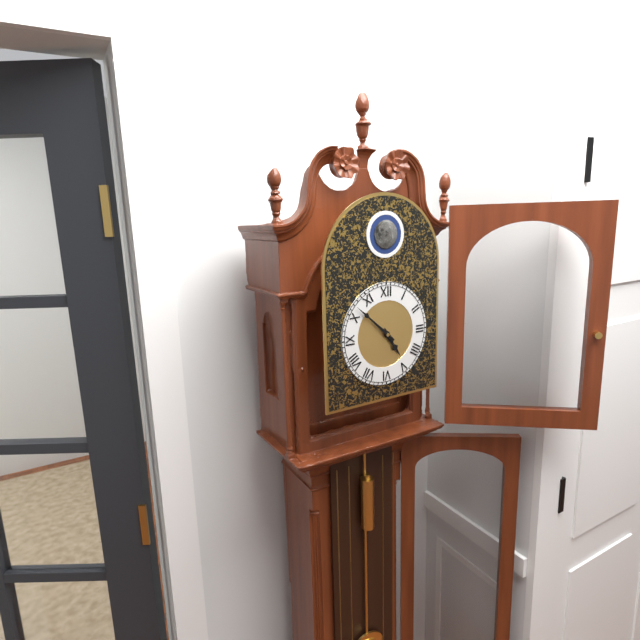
4.52
